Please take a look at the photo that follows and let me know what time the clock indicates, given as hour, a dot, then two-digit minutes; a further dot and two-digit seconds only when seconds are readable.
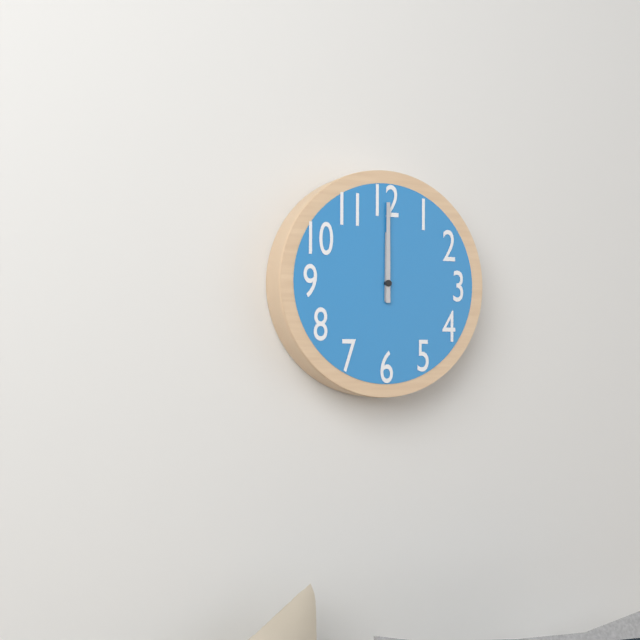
12.00
